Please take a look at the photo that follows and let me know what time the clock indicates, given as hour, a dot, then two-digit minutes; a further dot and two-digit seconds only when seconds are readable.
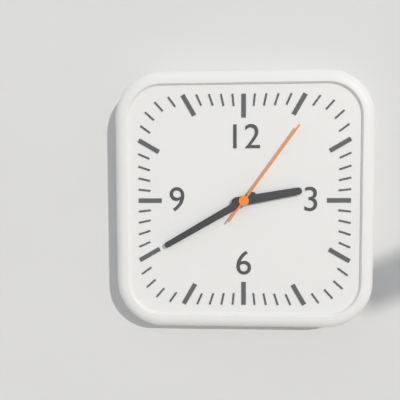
2.40.06
